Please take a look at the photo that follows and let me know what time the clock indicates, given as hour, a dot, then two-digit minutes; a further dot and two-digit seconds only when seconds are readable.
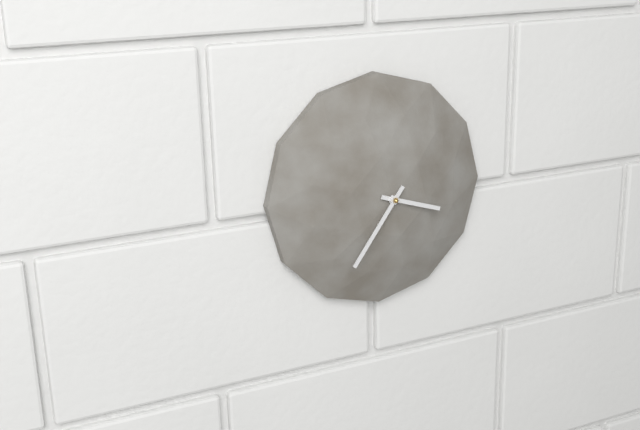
3.36
